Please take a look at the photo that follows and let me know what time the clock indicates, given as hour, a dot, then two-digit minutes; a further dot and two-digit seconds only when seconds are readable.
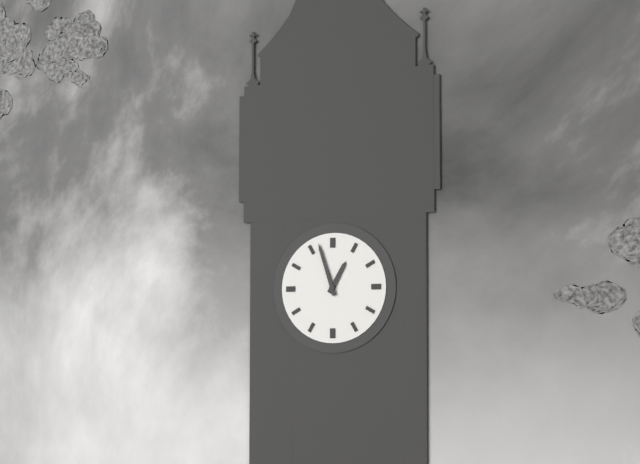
12.57
